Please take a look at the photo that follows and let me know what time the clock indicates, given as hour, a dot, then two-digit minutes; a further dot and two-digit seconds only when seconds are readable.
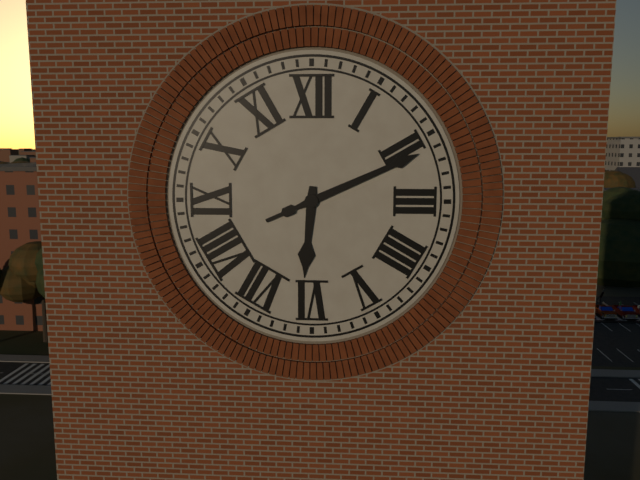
6.11
